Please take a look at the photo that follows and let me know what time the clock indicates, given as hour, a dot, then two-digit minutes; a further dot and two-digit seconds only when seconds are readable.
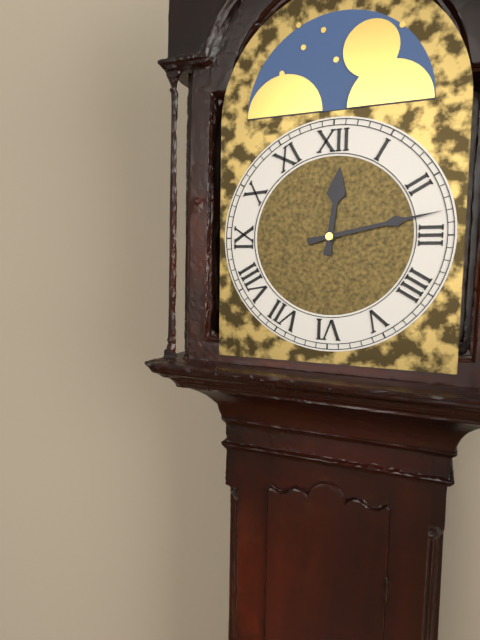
12.13
